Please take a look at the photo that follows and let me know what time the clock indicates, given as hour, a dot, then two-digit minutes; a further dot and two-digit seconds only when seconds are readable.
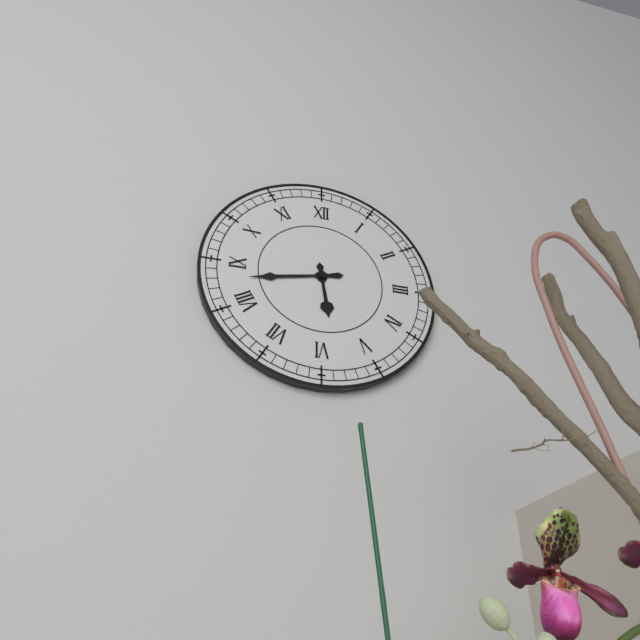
5.43
